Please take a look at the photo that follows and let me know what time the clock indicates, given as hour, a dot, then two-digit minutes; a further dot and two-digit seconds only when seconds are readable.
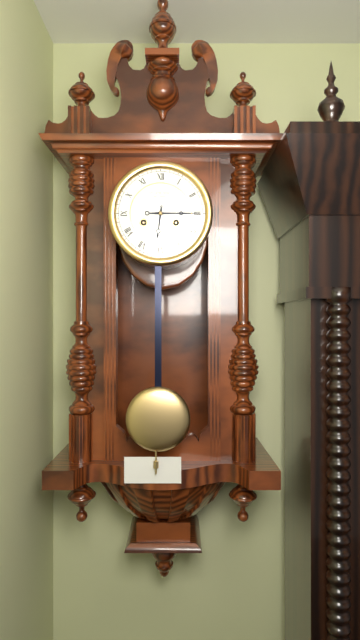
6.15
